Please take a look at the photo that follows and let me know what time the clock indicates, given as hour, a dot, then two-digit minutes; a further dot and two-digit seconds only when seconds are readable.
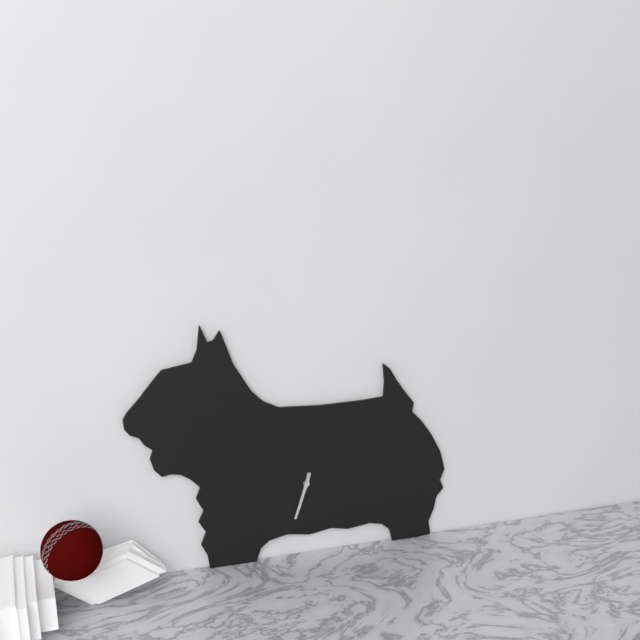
6.33
